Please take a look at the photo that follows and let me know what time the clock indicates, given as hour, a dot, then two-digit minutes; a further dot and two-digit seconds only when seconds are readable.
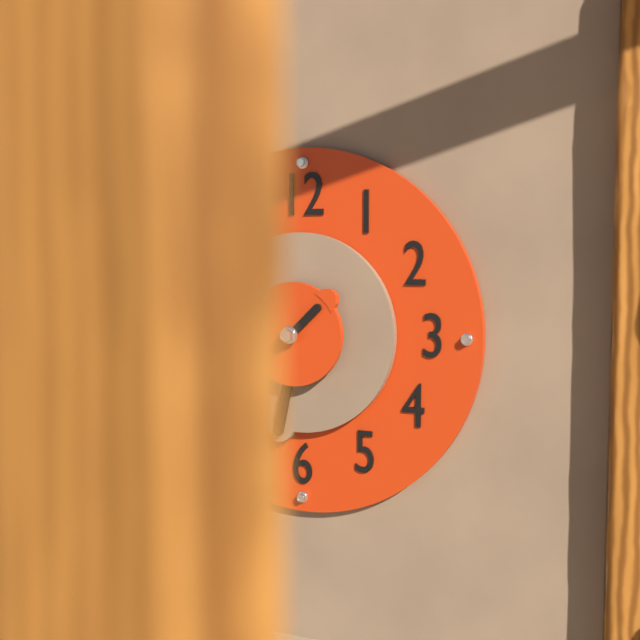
1.32
